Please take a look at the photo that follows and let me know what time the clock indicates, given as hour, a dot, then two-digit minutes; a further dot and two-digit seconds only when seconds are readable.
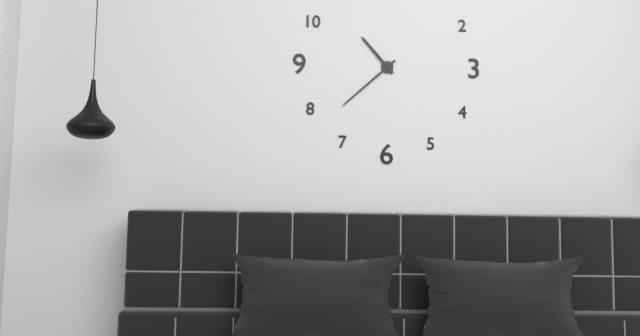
10.38
